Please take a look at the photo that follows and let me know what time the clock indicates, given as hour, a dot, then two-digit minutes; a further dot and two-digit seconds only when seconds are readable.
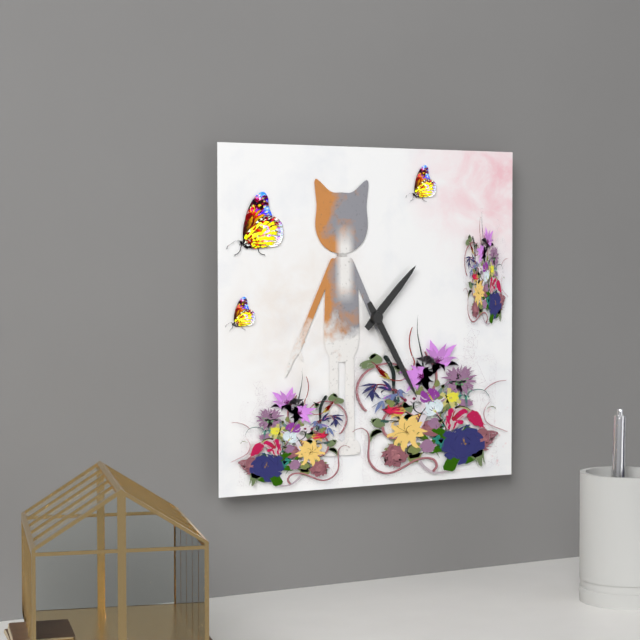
1.25
